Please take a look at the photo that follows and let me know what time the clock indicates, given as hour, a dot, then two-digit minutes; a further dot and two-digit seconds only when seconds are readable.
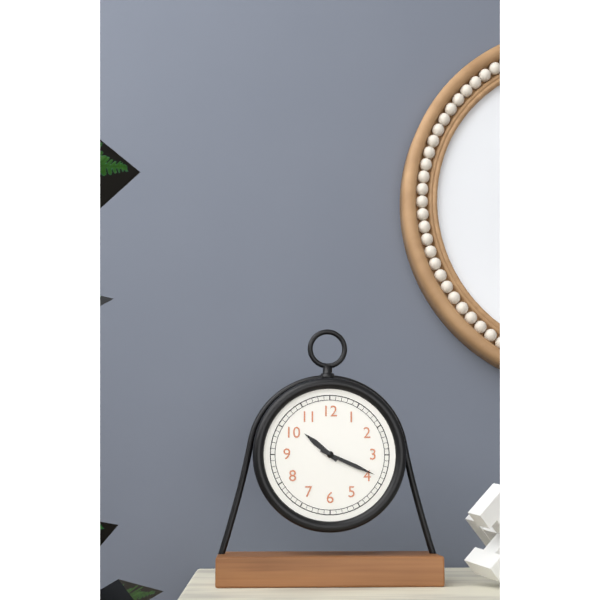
10.19
